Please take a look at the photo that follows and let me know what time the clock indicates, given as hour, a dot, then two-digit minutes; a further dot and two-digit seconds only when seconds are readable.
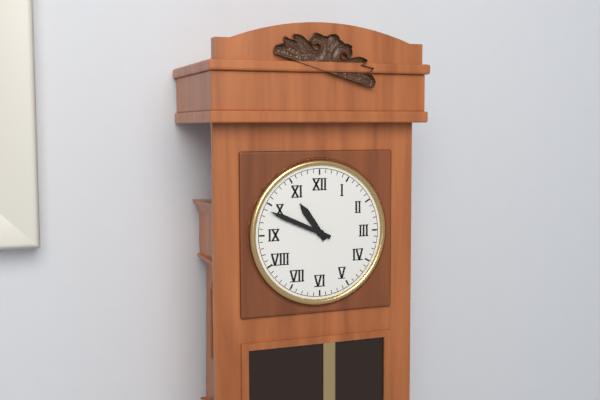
10.49
